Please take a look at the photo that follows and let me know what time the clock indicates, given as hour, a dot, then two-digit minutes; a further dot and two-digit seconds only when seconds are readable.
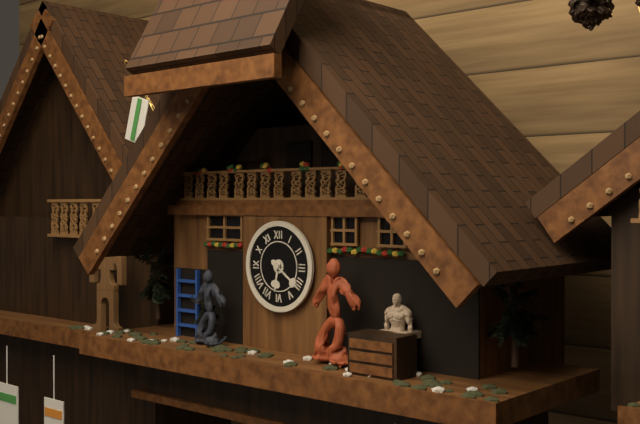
6.21
